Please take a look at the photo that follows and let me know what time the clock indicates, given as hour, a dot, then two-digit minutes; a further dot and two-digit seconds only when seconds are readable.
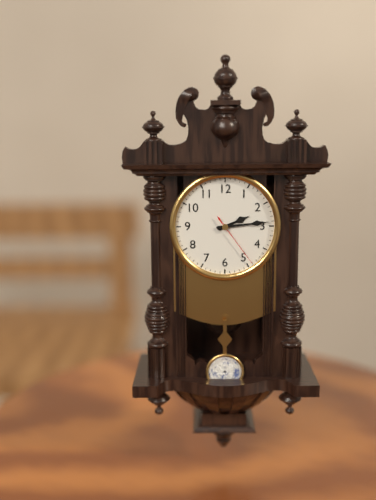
2.14.24
